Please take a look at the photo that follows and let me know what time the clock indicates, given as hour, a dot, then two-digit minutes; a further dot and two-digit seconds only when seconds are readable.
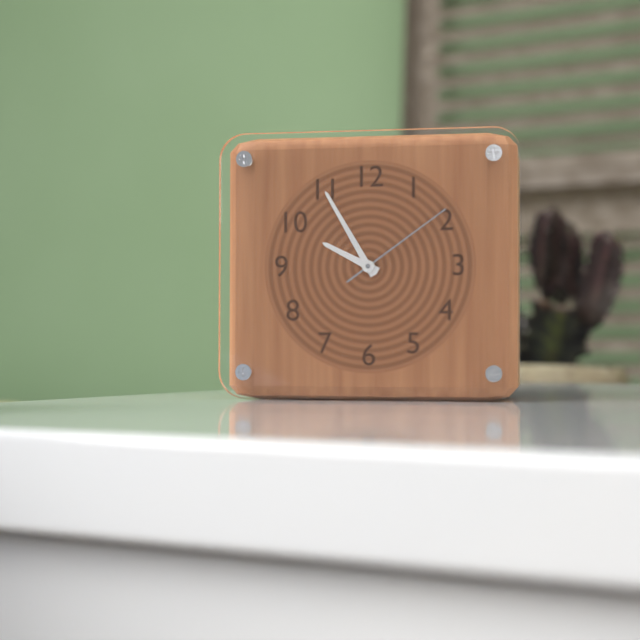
9.55.09
